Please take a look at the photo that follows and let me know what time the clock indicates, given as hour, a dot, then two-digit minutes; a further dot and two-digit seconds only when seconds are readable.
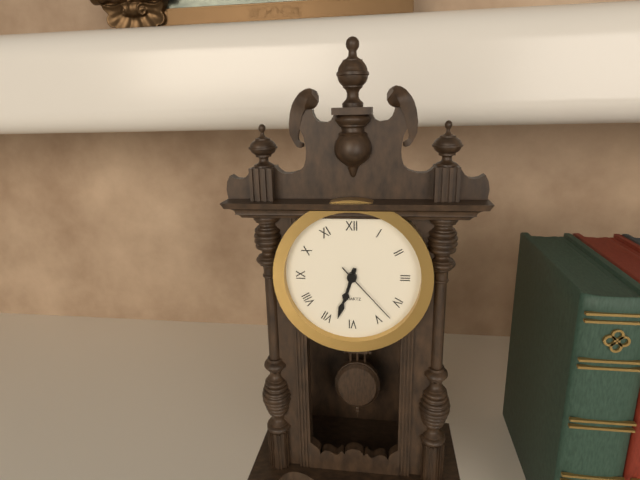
6.33.23
